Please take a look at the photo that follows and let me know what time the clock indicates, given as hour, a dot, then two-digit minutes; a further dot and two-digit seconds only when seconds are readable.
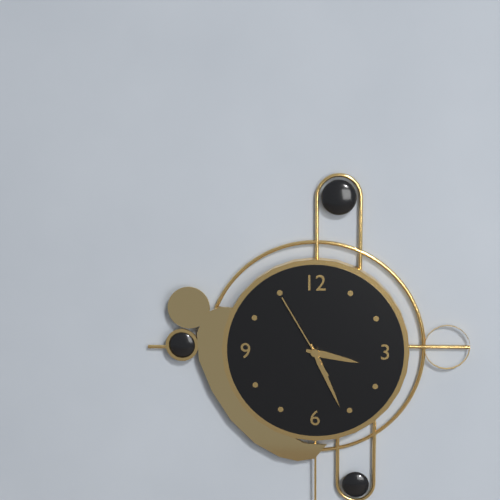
3.26.55
